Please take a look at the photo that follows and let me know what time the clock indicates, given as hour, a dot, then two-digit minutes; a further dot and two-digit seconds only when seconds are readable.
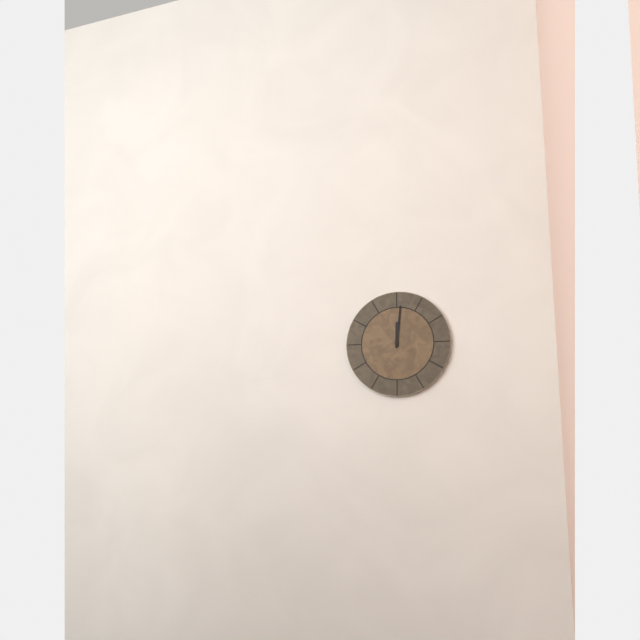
12.01
